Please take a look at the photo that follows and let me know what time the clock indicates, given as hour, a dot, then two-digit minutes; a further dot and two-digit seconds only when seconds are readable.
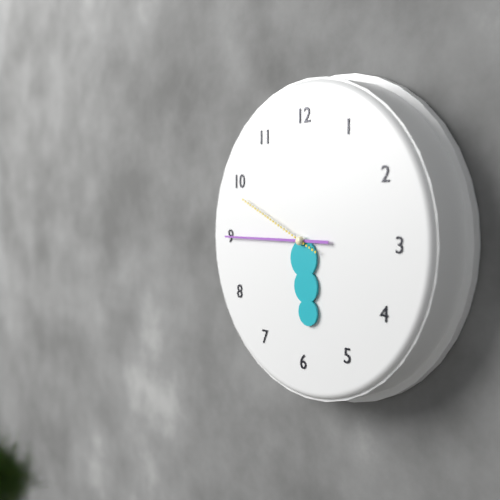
5.45.49
